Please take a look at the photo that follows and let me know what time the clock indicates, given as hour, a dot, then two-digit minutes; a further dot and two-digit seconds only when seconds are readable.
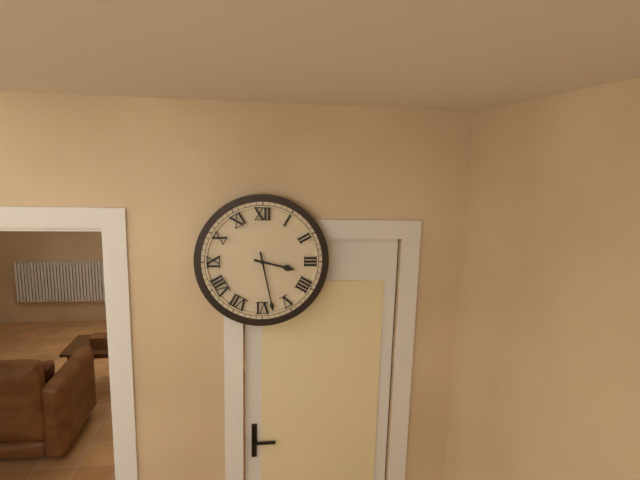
3.28
